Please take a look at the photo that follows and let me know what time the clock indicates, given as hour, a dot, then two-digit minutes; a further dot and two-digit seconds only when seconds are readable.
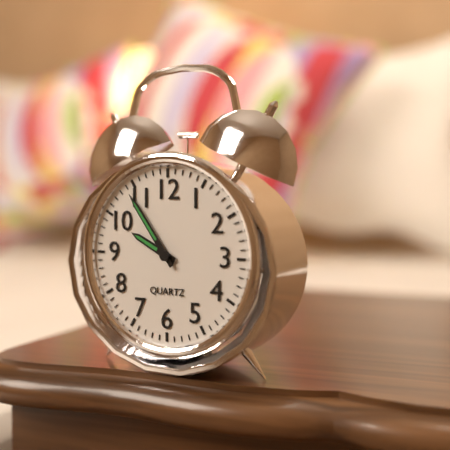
9.54
